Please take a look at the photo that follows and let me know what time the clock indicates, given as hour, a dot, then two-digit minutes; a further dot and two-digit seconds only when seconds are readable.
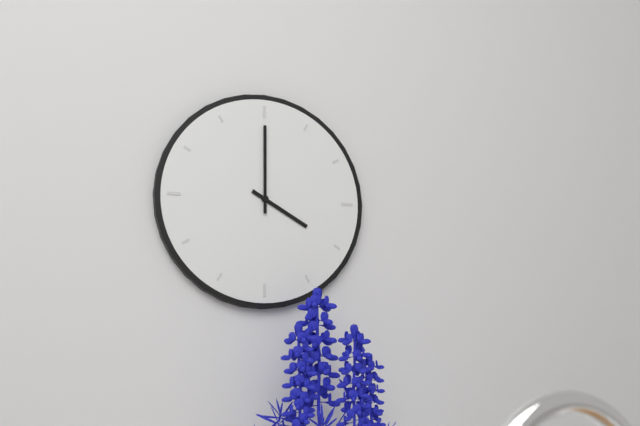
4.00
